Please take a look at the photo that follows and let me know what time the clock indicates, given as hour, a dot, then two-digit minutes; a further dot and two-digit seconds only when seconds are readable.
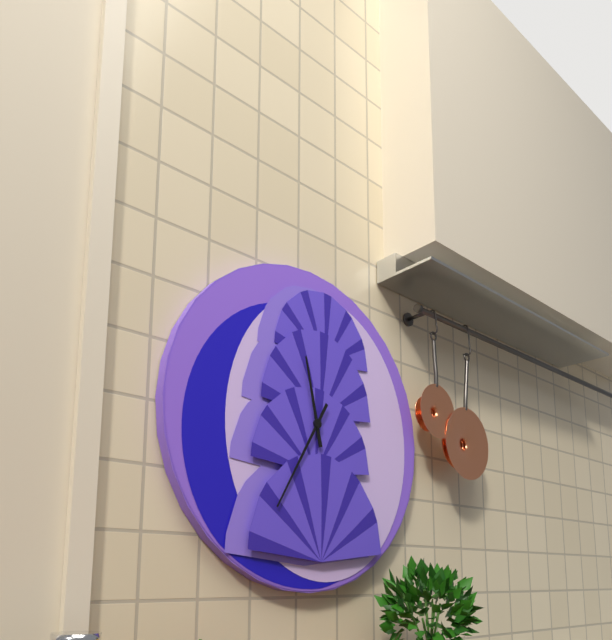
11.35
